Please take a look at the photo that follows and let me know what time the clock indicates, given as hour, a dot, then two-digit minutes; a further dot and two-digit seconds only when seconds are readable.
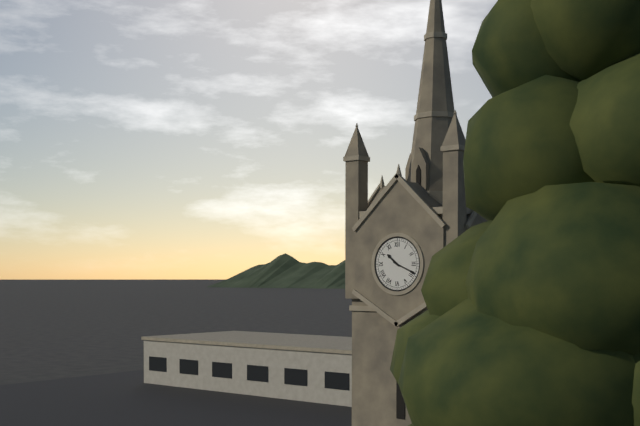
10.19
